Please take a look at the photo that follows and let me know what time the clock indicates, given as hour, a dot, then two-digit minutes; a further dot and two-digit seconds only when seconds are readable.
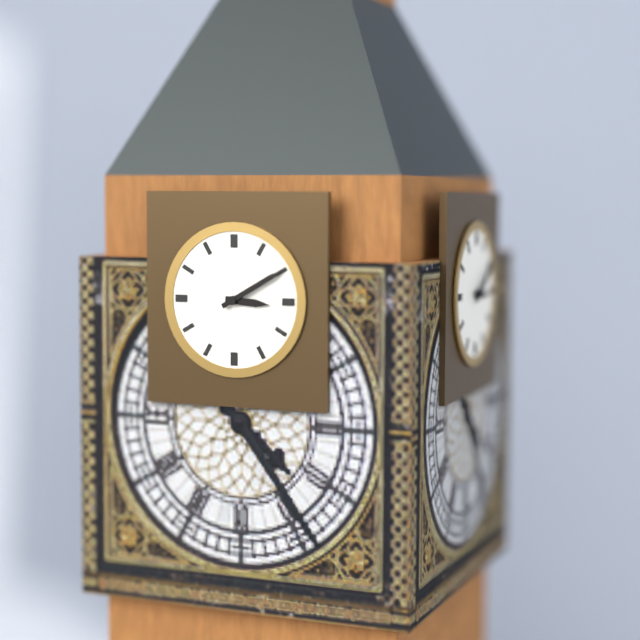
3.10
